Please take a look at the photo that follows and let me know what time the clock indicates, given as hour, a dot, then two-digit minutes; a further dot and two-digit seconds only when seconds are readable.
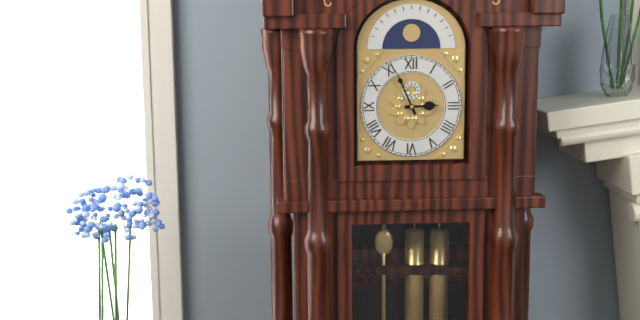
2.56
